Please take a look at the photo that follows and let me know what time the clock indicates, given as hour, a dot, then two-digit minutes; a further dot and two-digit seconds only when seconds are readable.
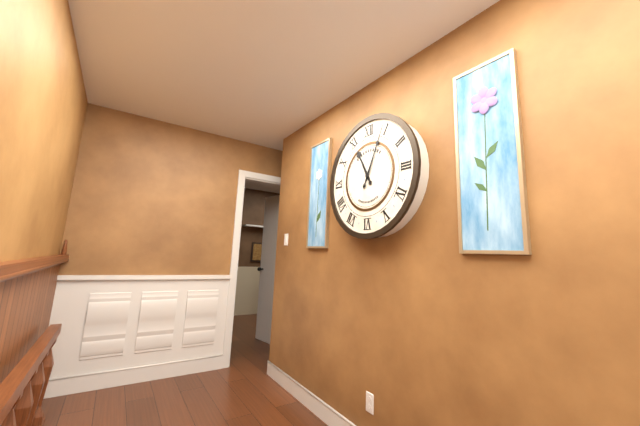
11.04
